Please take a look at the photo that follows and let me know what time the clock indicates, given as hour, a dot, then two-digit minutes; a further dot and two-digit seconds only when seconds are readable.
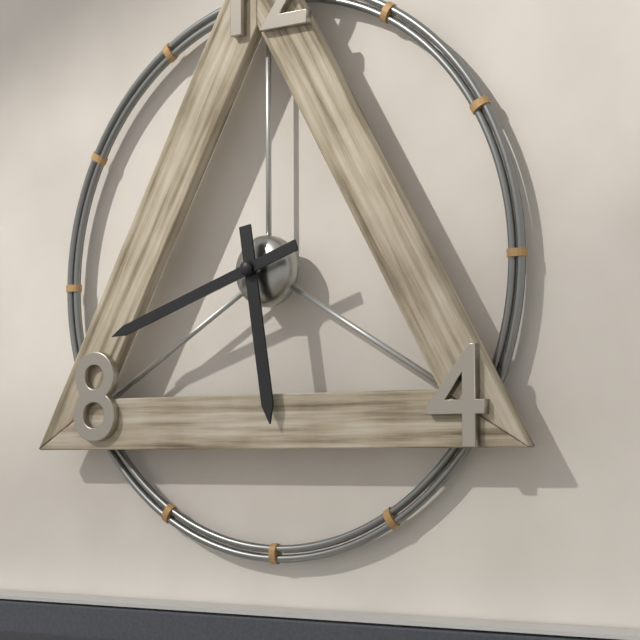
5.42
